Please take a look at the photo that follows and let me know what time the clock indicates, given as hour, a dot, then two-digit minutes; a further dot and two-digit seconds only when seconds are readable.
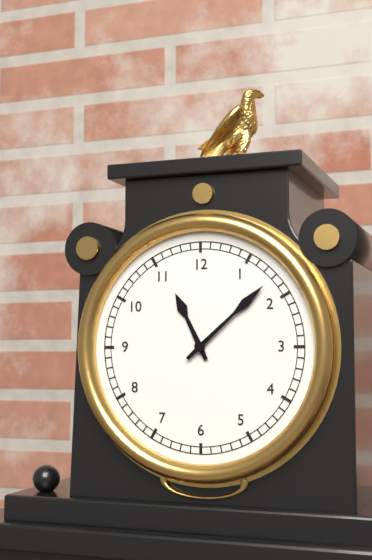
11.08
